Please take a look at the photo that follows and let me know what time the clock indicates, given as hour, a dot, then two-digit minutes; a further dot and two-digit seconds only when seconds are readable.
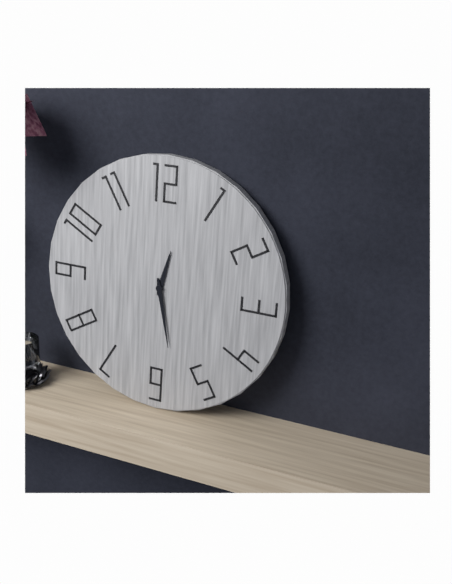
12.28
